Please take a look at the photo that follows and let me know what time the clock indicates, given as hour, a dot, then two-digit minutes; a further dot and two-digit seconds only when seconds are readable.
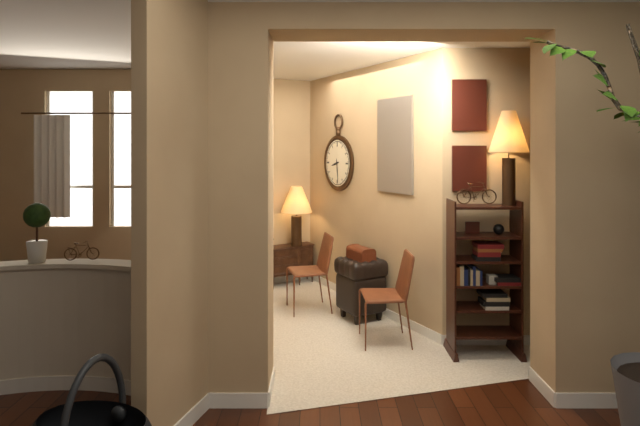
8.29
